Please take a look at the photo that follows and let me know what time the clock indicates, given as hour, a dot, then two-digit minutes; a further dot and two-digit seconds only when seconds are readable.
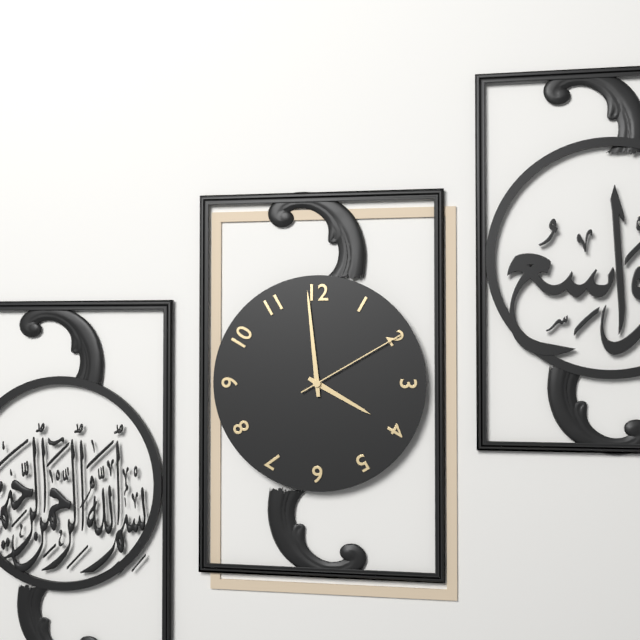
3.59.10
